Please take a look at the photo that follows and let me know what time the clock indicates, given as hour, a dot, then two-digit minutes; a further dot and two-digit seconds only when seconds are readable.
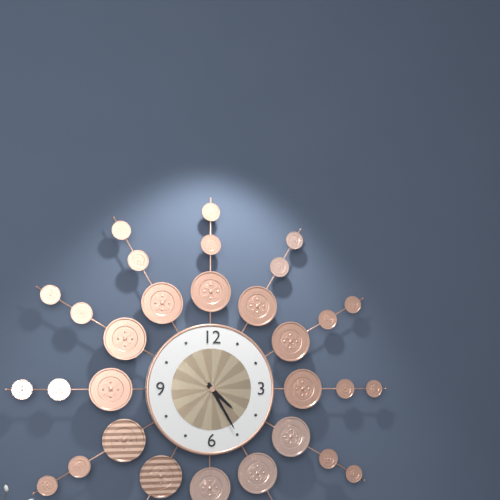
4.25
